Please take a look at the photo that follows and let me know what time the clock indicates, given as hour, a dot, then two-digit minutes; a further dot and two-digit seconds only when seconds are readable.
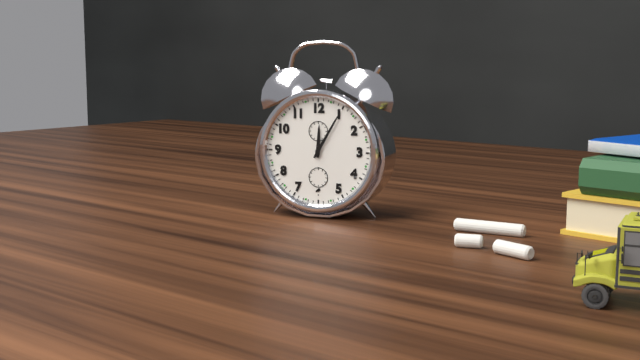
12.05
